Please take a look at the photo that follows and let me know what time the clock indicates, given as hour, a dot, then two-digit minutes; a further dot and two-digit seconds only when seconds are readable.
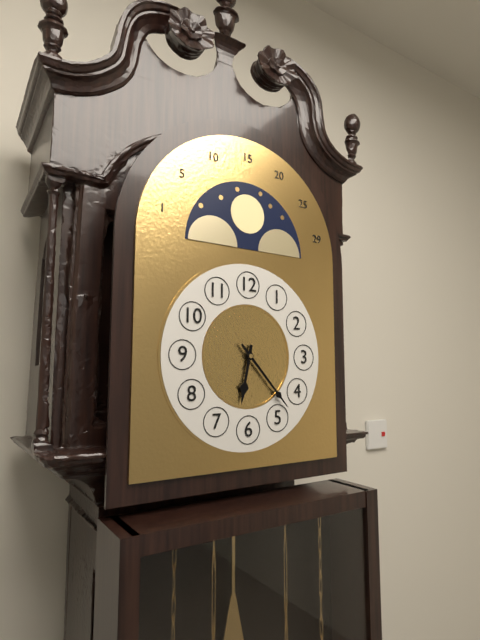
6.23
